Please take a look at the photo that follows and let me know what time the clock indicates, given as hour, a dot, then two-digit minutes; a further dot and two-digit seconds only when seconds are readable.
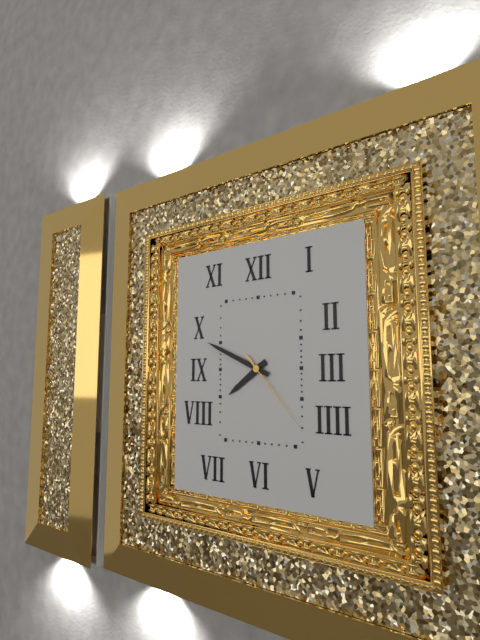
7.49.23
